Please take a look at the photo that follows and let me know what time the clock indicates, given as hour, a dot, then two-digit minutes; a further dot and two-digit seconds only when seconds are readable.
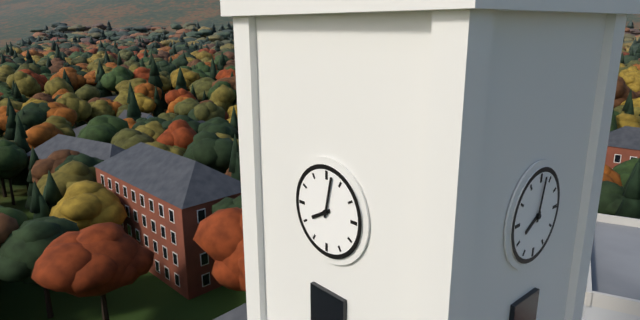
8.02
